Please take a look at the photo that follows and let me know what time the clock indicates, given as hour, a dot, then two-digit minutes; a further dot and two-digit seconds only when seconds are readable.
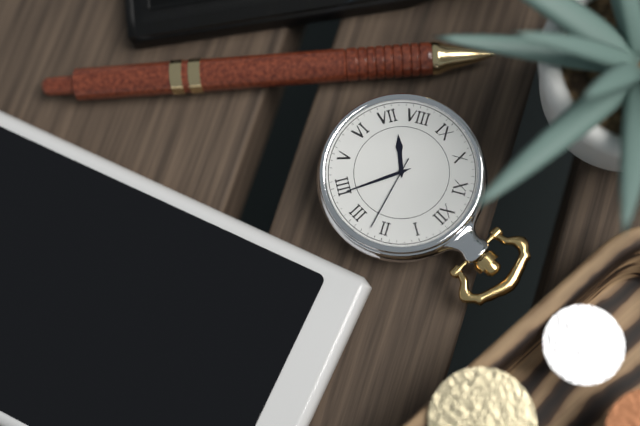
7.19.12
